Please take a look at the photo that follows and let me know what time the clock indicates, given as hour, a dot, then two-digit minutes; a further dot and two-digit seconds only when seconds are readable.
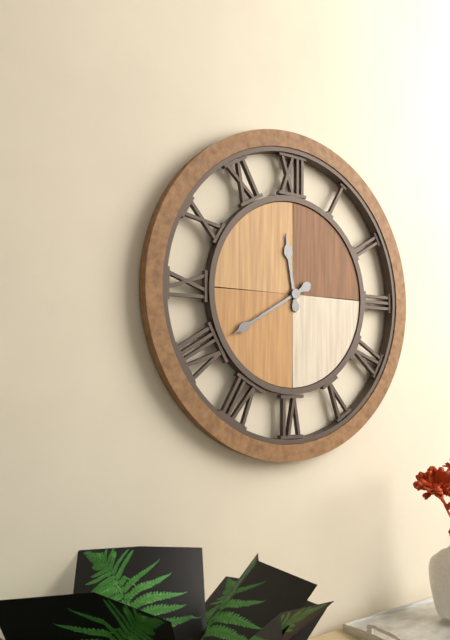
11.40
